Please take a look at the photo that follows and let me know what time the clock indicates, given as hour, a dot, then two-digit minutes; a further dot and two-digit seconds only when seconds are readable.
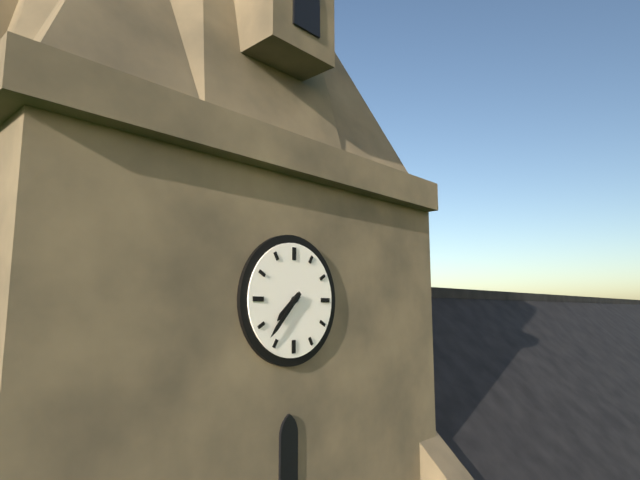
7.37
